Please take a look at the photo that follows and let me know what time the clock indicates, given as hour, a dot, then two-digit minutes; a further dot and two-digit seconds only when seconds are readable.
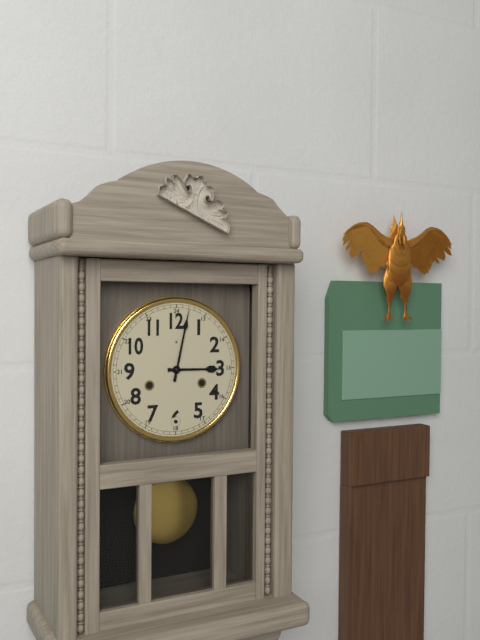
3.02
